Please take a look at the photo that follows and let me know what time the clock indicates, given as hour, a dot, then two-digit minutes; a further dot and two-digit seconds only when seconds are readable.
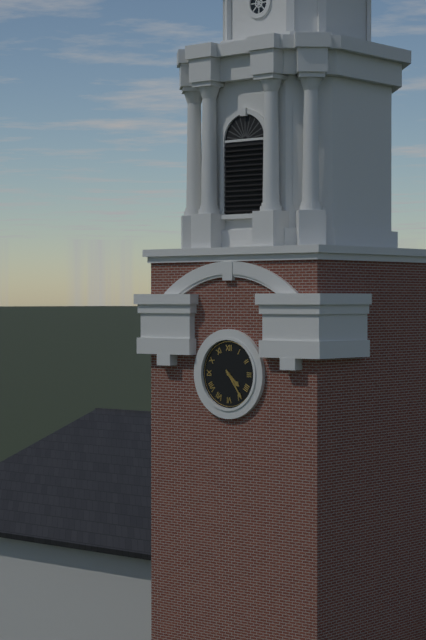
4.24
